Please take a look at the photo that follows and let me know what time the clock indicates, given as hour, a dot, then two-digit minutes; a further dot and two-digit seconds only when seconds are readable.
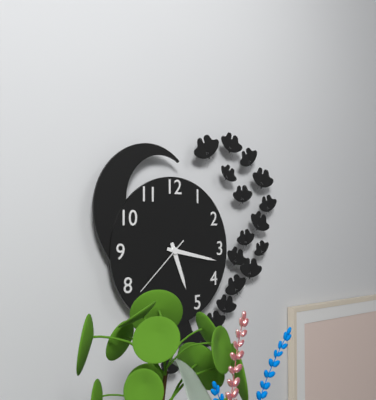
5.17.38
